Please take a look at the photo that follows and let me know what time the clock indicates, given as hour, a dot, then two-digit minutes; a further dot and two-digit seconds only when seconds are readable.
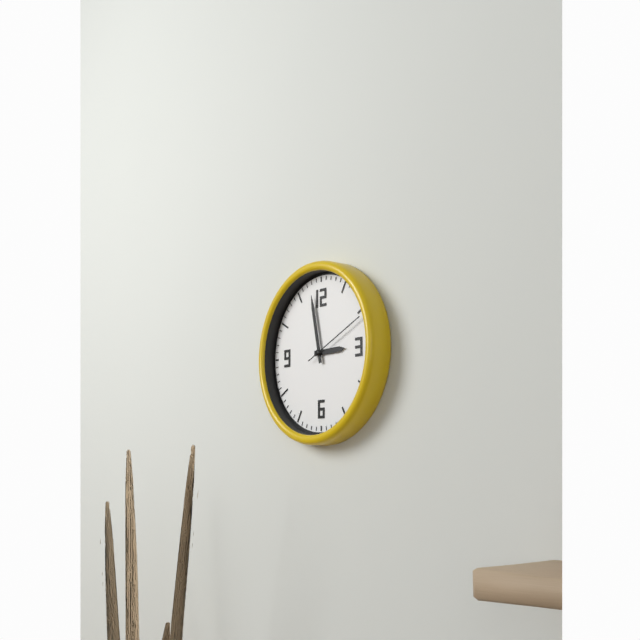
2.58.11
